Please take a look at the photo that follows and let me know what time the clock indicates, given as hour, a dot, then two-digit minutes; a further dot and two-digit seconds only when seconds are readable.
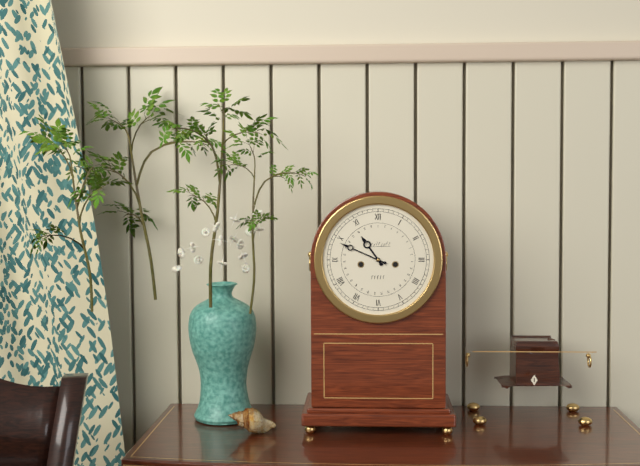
10.49
